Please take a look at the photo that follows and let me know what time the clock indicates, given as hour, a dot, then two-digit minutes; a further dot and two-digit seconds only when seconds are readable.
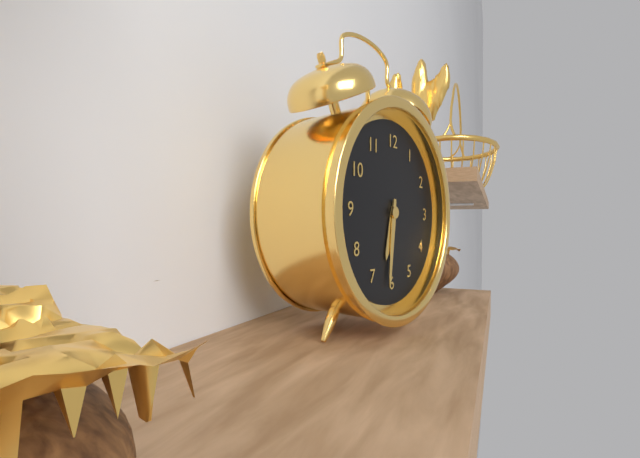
6.31
